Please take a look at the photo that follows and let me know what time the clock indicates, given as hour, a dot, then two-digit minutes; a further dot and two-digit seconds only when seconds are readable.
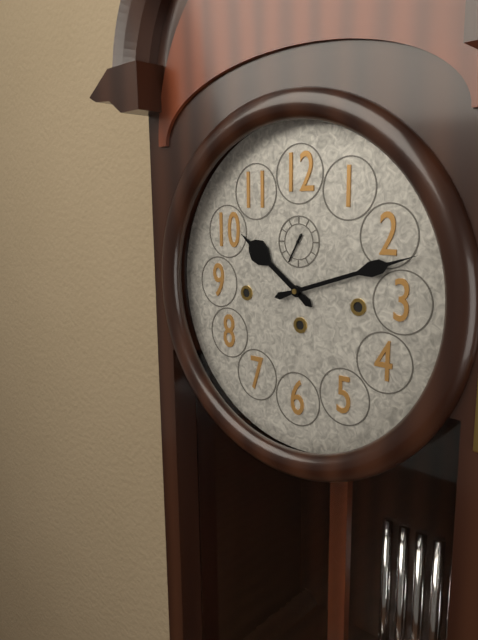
10.12
